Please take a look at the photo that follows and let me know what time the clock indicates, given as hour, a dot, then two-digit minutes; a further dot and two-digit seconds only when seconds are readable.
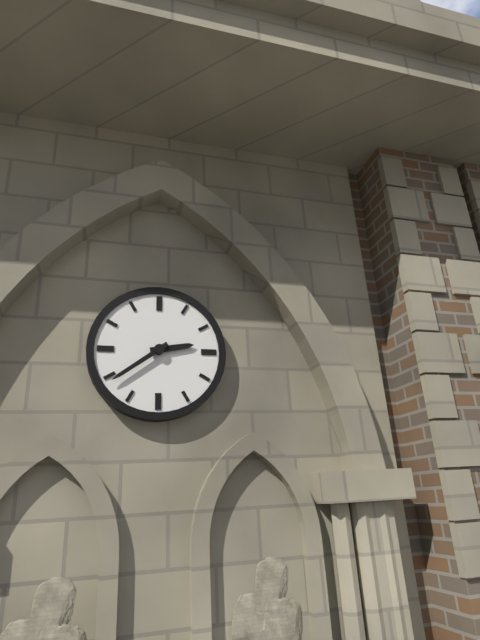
2.39
